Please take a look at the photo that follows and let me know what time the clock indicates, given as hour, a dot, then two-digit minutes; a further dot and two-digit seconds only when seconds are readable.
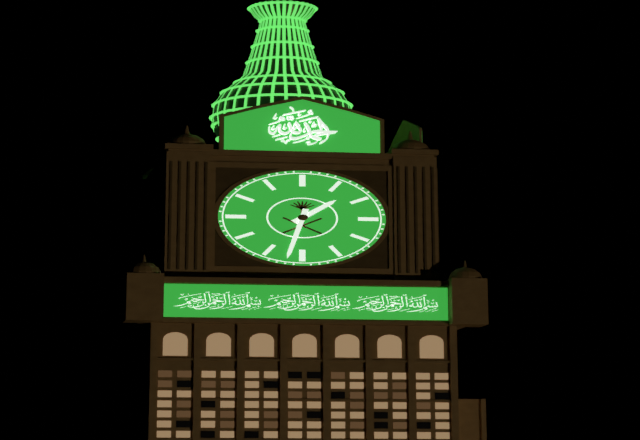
1.32
